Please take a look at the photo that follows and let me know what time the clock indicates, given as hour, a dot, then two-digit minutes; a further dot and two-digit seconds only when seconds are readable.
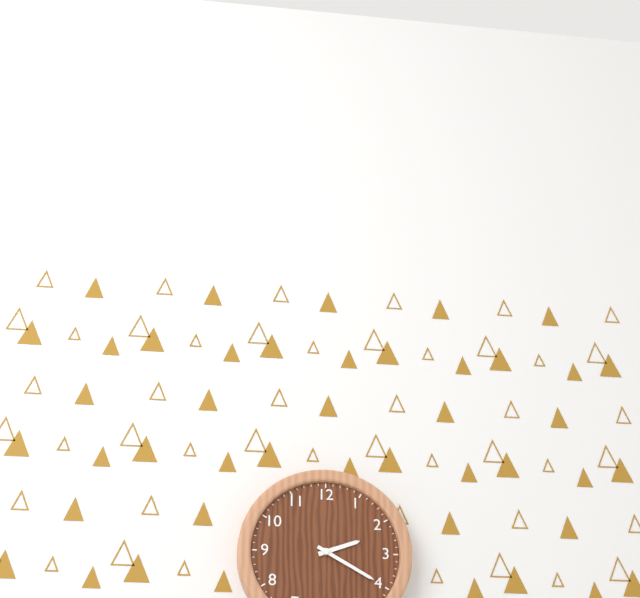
2.20
